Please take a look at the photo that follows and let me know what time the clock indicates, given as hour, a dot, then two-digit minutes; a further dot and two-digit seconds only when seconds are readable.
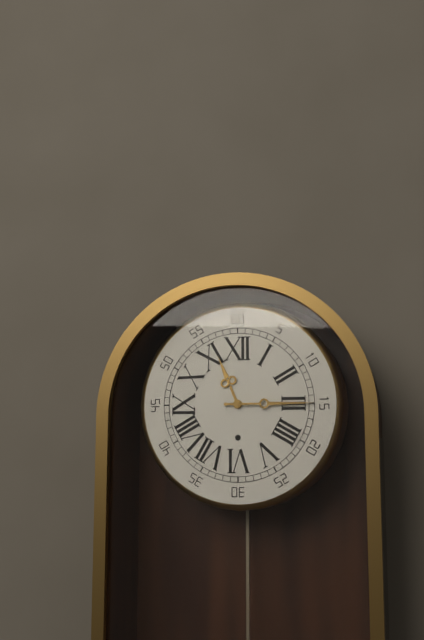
11.15
